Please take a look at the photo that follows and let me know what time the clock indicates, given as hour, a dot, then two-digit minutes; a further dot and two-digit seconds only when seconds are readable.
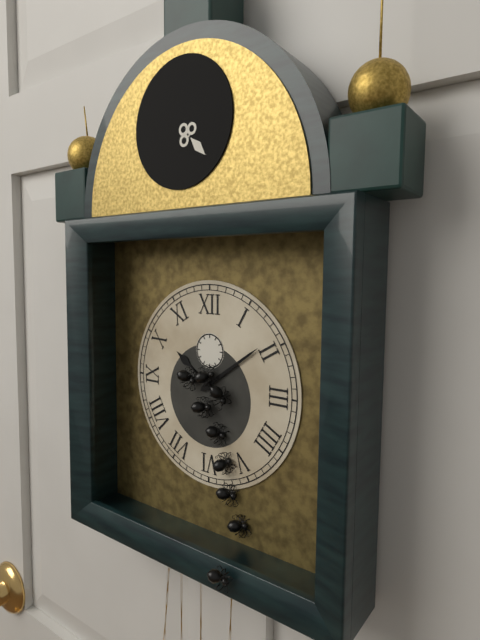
10.09
